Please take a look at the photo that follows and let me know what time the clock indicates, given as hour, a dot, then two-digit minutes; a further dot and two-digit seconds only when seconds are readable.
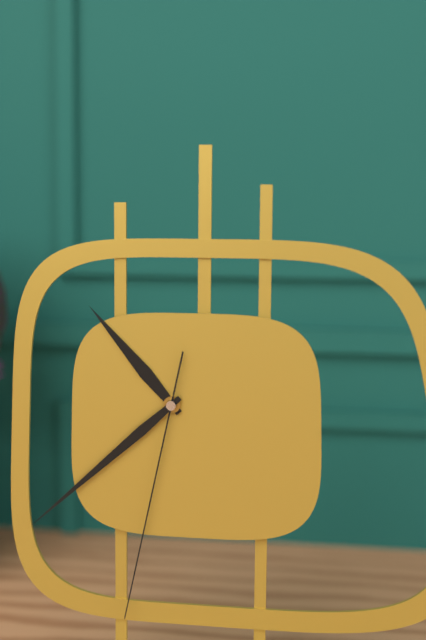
10.38.32
